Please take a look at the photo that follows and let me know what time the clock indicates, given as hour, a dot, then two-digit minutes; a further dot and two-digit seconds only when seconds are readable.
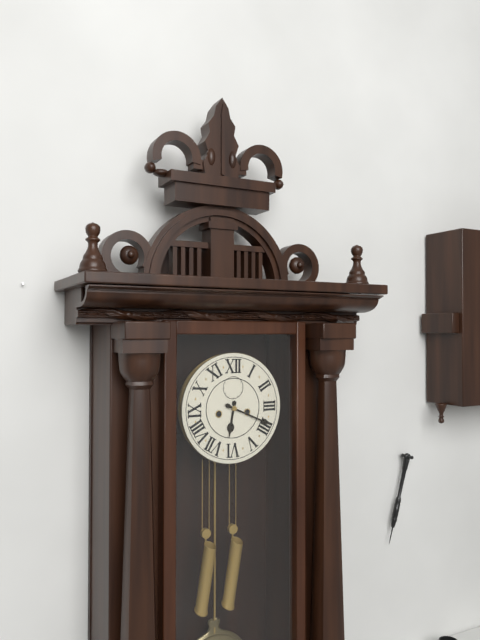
6.19
